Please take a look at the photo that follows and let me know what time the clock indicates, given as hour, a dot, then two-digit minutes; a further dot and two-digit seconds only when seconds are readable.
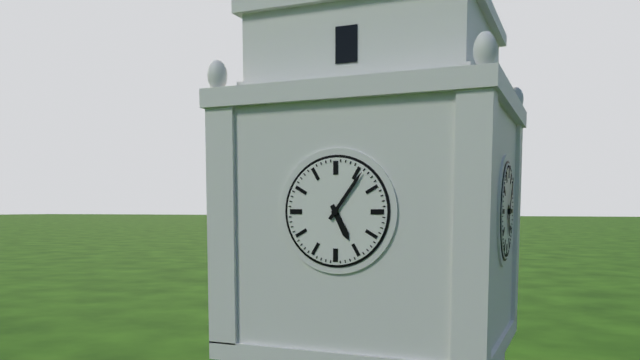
5.06
